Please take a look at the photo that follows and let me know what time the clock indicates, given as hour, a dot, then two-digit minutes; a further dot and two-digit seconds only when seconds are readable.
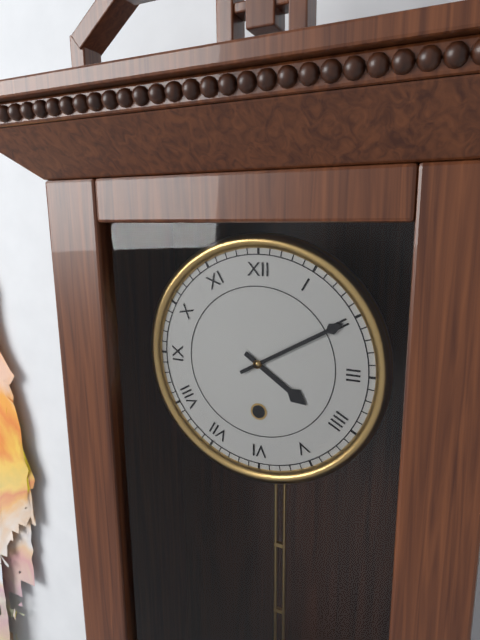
4.10
